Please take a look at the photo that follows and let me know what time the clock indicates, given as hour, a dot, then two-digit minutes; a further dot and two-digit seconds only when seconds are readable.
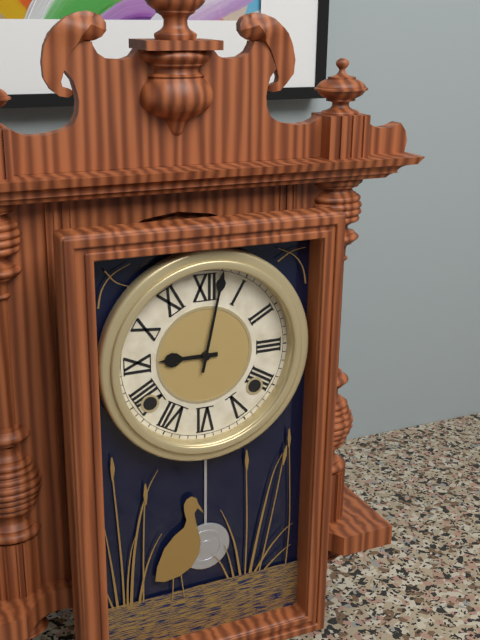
9.02
